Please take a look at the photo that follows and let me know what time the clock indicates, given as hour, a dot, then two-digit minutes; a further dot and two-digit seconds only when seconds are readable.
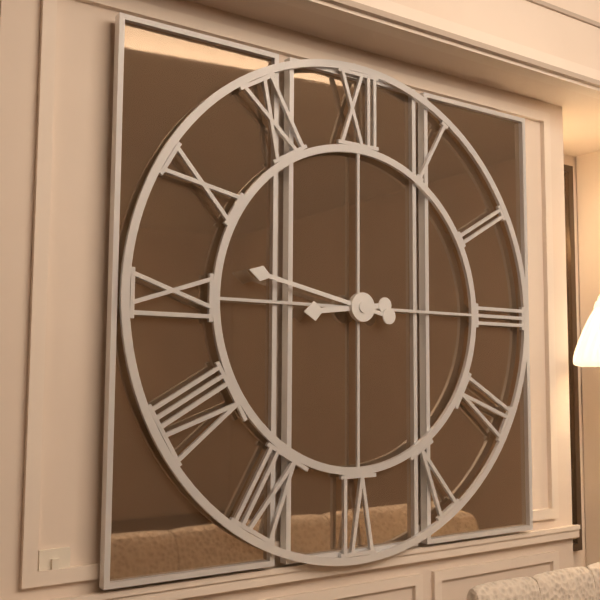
8.47
